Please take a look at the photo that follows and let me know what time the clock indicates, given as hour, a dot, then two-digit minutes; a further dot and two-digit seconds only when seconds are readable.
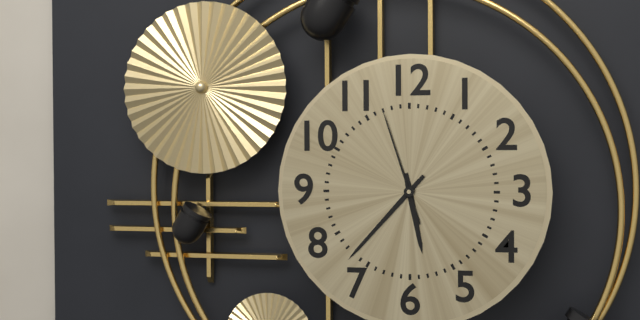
5.37.57
